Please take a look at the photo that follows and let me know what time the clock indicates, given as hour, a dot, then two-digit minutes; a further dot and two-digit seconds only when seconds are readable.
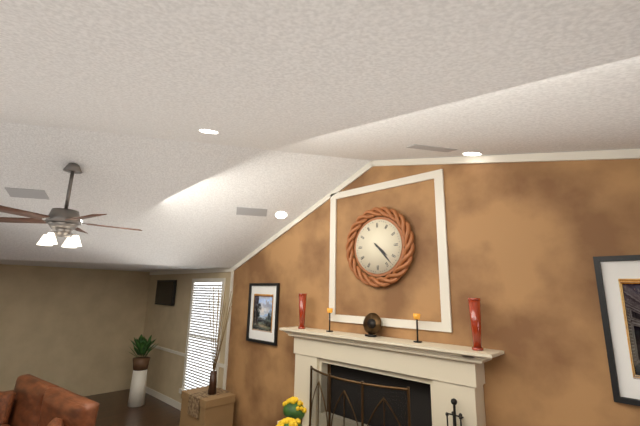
4.23
